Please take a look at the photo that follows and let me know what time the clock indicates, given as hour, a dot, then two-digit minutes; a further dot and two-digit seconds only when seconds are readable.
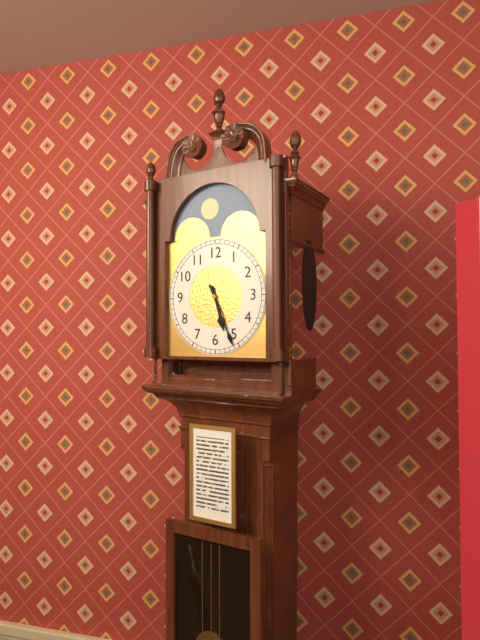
5.26
